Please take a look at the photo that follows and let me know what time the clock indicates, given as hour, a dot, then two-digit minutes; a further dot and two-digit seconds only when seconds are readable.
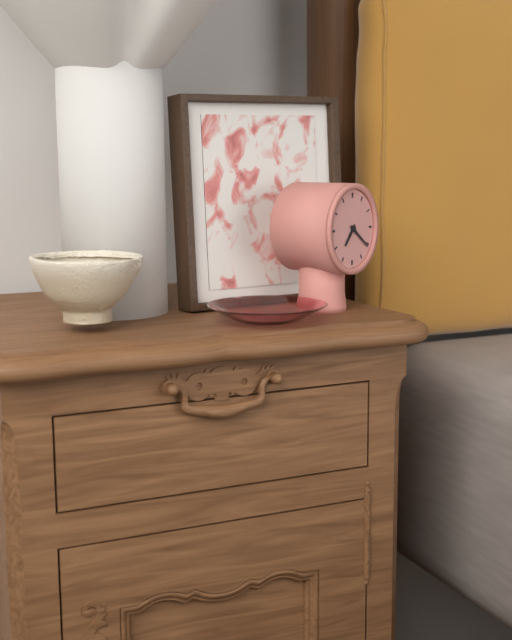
7.21
